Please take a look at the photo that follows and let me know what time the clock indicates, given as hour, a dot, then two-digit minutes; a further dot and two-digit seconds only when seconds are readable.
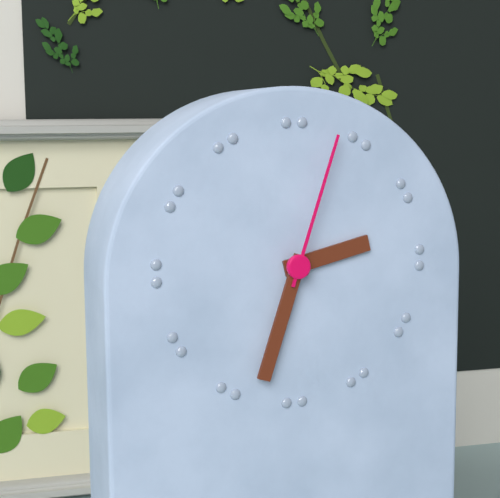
2.33.03
